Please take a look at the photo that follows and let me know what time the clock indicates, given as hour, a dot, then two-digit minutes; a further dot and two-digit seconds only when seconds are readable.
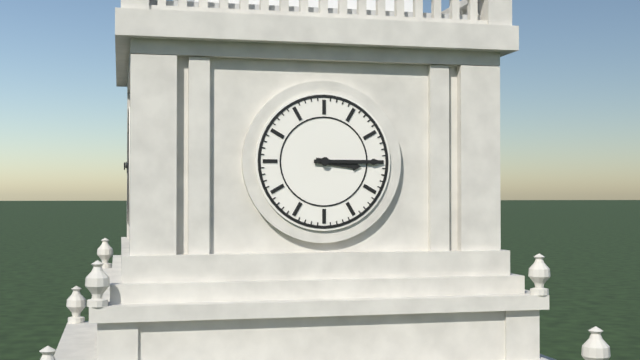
3.15
